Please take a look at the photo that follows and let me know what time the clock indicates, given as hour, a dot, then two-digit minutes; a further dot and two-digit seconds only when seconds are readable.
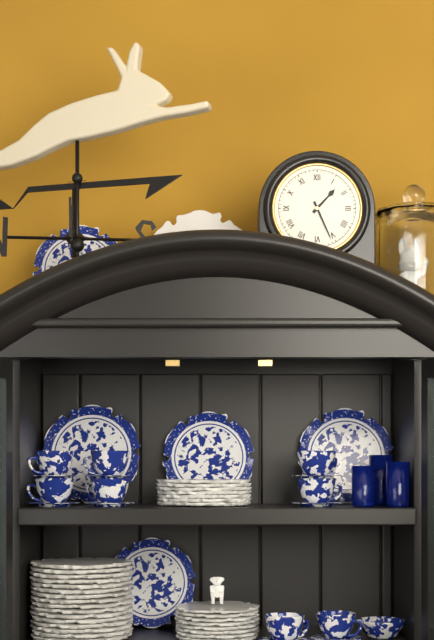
1.26
